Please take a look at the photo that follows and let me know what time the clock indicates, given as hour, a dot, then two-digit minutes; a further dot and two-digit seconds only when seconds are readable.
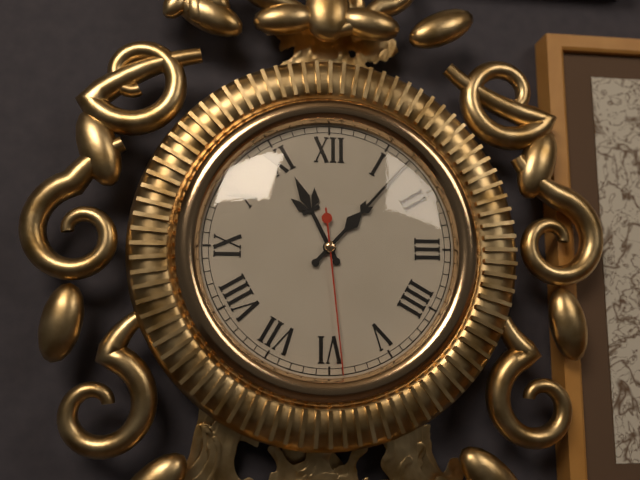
11.07.29
